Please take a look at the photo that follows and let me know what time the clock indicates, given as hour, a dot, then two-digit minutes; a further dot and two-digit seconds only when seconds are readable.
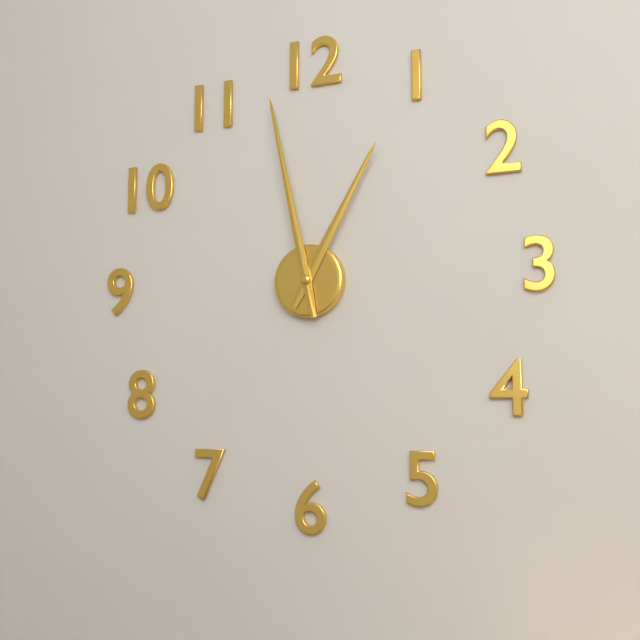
12.58
